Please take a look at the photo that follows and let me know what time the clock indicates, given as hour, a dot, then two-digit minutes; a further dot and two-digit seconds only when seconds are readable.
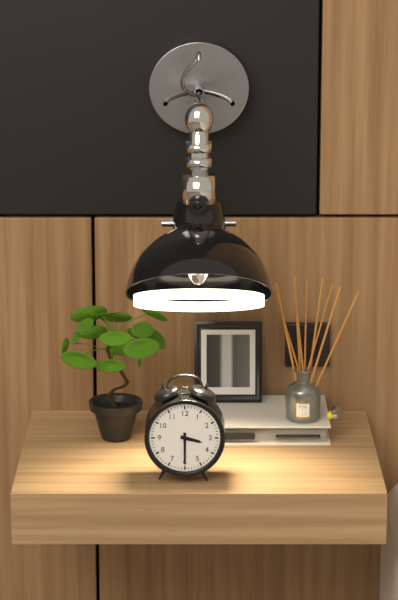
3.30
